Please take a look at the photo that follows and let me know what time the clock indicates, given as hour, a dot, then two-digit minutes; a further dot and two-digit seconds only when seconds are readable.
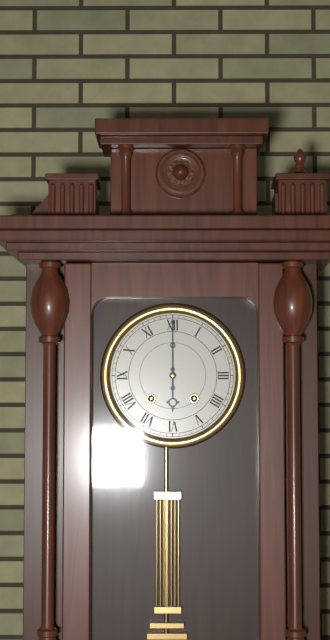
6.00
